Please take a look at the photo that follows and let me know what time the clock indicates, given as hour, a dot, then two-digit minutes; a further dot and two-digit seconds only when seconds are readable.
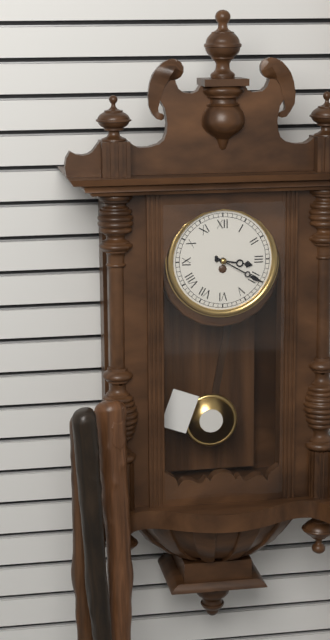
3.20
